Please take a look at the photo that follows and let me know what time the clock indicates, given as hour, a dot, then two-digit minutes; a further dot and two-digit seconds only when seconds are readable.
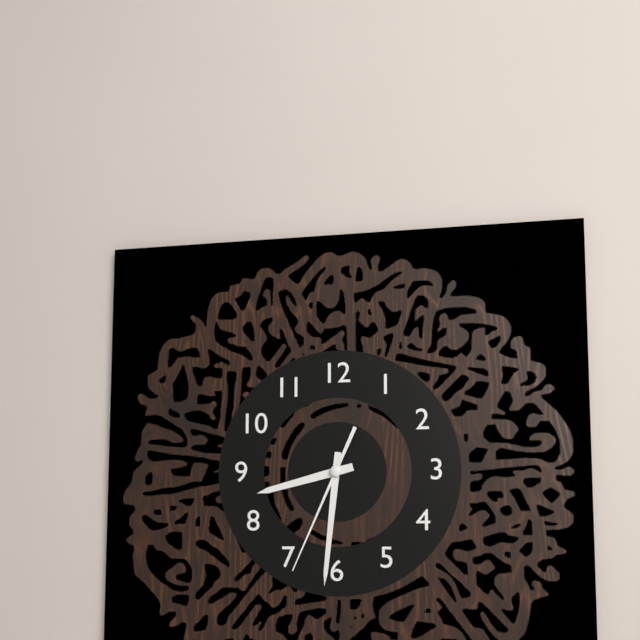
8.31.34
